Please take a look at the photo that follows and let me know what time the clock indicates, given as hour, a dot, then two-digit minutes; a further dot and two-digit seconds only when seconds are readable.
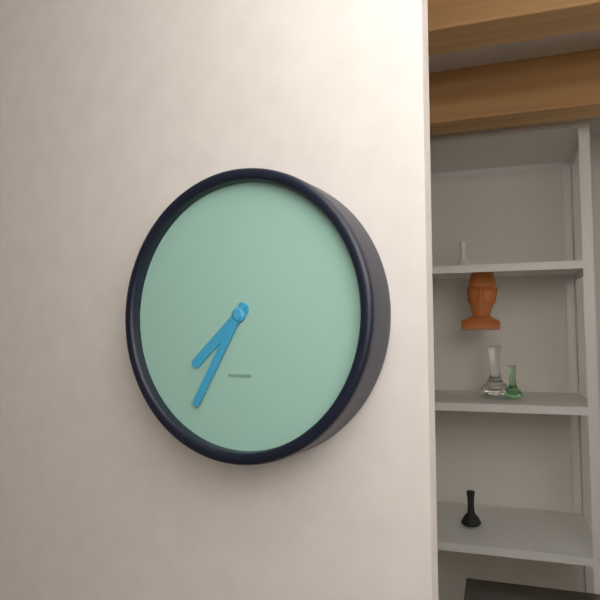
7.35
